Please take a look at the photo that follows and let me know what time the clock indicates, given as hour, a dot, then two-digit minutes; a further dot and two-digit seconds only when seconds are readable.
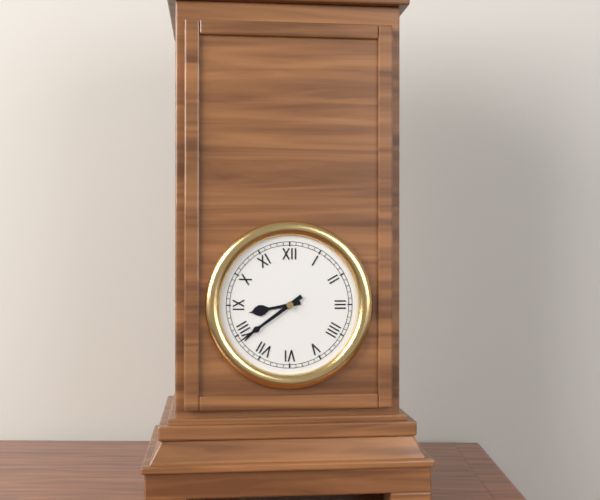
8.39
